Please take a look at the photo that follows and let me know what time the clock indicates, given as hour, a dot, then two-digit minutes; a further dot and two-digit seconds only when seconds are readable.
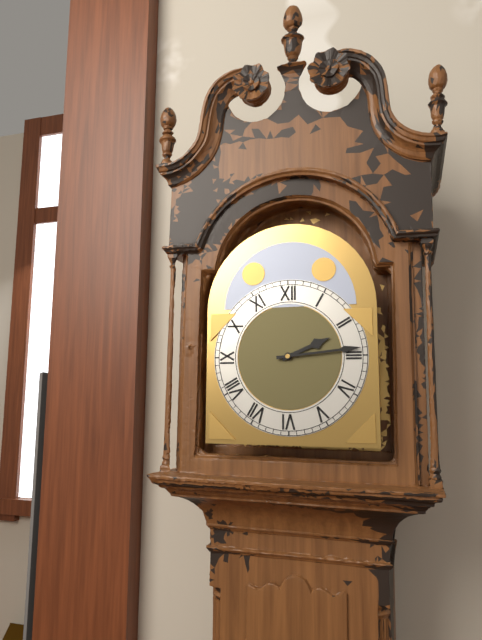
2.14
